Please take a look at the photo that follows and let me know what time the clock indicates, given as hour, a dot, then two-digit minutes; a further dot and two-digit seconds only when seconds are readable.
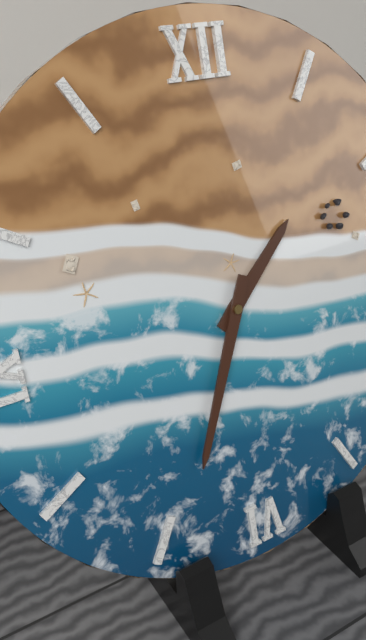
1.34
